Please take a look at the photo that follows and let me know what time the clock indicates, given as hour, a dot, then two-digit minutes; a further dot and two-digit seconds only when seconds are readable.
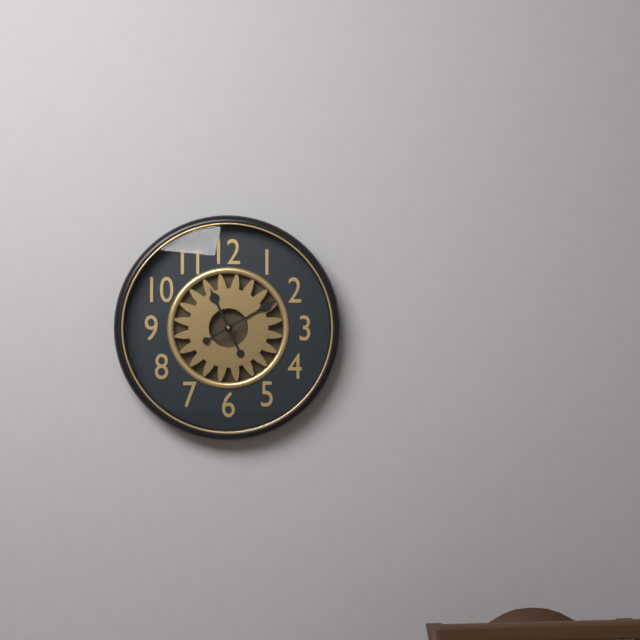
11.10
